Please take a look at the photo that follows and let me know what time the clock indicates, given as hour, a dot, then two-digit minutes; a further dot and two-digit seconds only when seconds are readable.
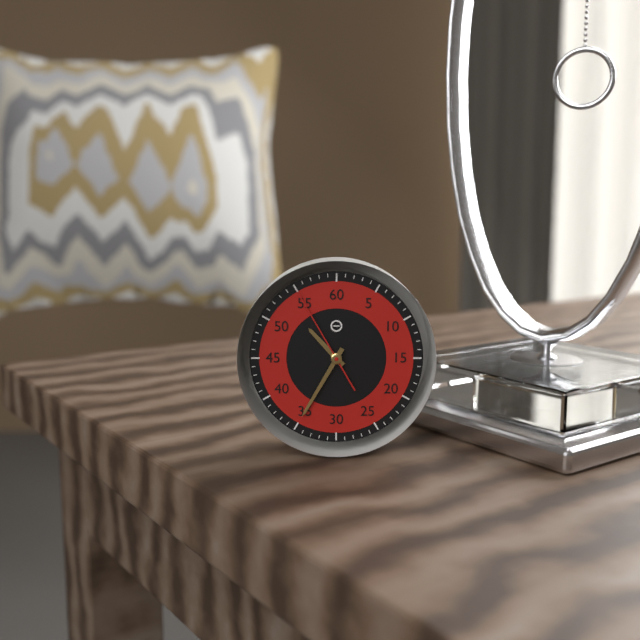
10.35.55
